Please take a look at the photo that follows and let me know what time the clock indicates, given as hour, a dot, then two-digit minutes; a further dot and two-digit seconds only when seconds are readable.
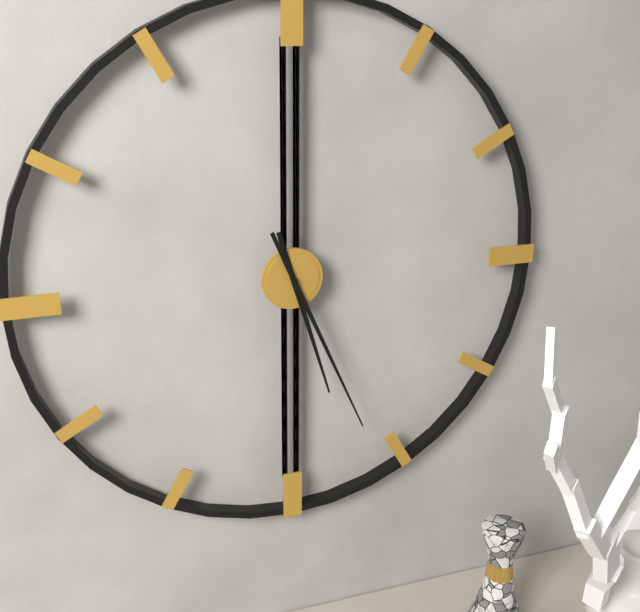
5.26
